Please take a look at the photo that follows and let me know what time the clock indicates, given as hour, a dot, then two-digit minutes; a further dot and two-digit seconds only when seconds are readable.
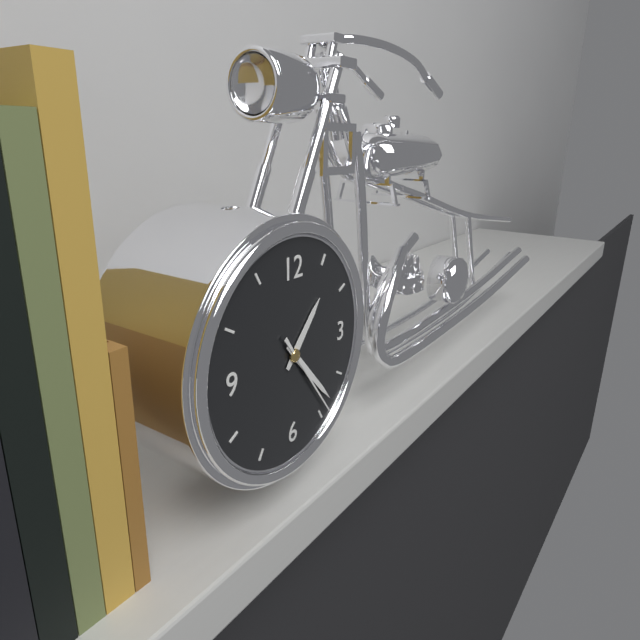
1.23.24
